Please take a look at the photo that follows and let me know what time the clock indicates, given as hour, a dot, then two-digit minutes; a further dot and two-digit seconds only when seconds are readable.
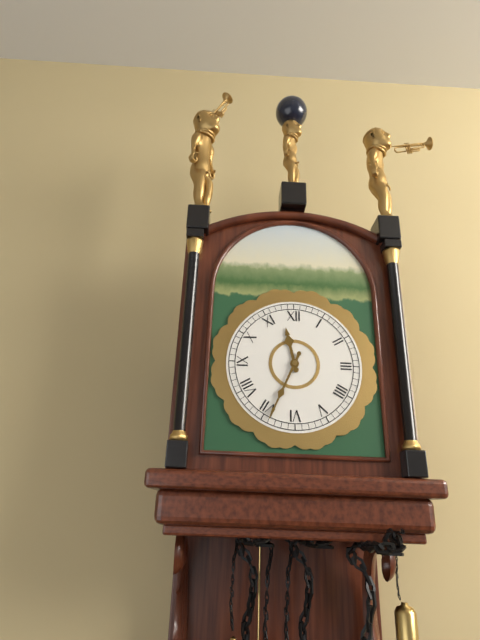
11.34
